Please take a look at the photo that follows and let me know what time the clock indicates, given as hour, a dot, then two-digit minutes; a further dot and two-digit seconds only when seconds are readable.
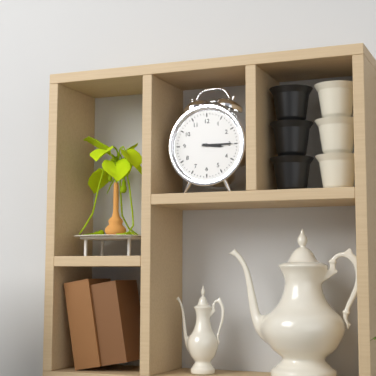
3.15
